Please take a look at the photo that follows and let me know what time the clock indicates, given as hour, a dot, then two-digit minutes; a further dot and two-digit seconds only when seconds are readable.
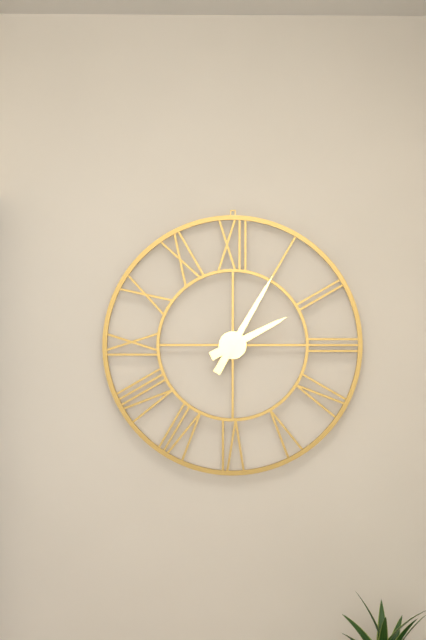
2.05
